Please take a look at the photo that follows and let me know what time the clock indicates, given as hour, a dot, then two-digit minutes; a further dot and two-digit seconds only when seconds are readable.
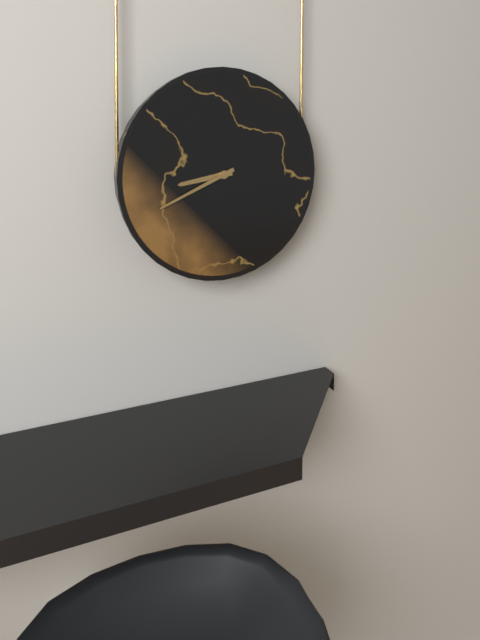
8.41
